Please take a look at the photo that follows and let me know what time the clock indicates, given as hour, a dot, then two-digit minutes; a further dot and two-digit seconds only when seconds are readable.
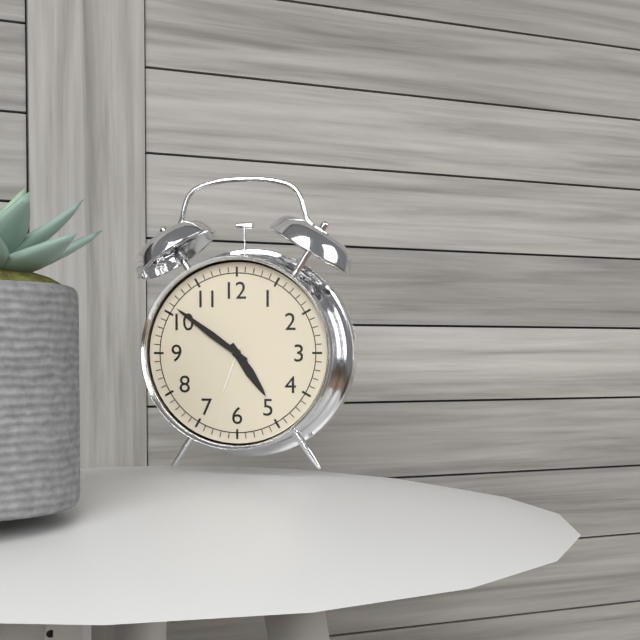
4.51
